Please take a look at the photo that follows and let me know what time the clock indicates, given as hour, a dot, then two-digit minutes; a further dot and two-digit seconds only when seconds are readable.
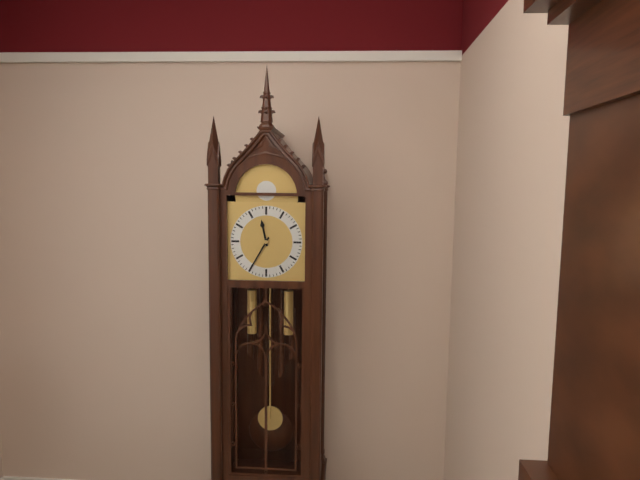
11.35
